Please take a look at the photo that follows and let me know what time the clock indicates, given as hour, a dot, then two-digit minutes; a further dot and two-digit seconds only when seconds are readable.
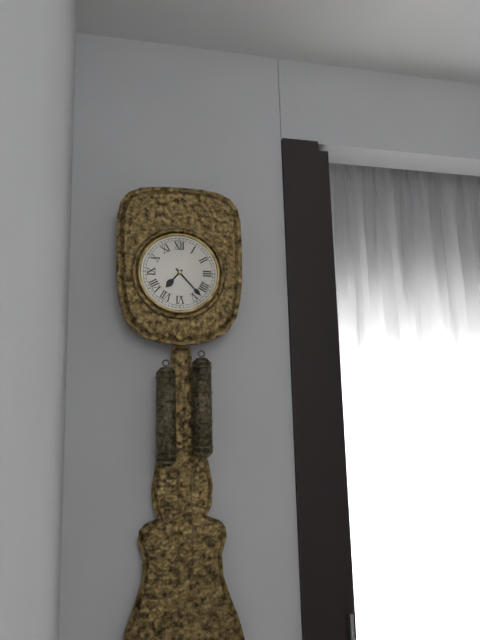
7.23
